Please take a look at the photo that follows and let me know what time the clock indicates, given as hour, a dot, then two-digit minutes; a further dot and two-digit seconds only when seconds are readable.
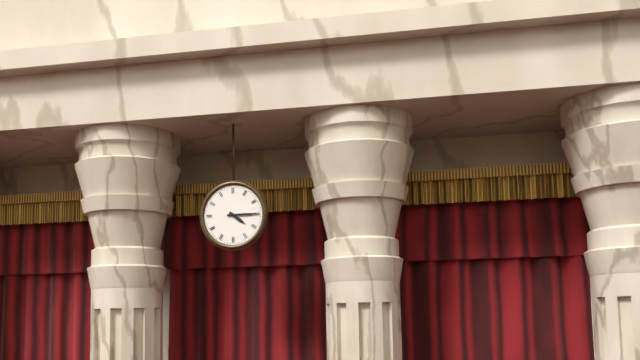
4.15
